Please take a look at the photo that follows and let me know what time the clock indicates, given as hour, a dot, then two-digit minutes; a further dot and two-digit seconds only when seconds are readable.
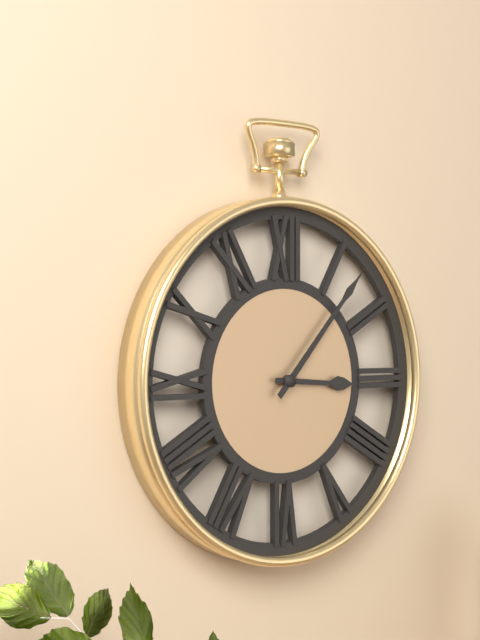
3.07
